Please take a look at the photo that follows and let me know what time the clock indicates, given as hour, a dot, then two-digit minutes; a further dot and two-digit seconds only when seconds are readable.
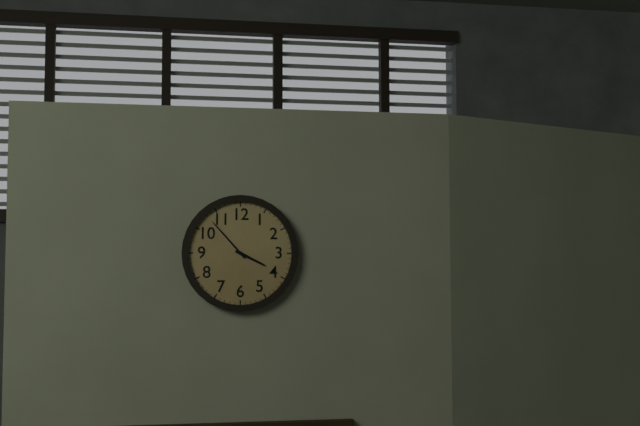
3.53
